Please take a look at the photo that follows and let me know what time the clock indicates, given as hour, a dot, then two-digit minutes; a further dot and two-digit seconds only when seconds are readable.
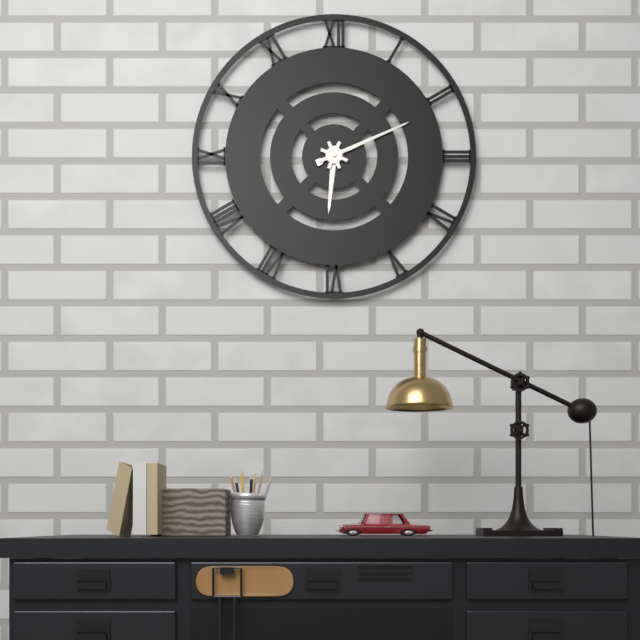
6.11
